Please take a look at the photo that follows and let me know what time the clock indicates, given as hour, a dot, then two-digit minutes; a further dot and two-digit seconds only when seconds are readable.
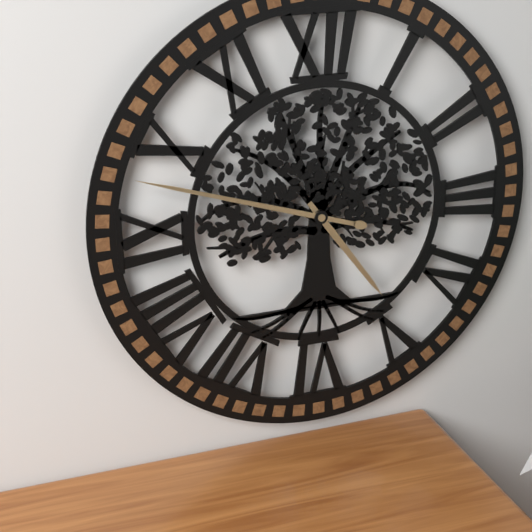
4.48
